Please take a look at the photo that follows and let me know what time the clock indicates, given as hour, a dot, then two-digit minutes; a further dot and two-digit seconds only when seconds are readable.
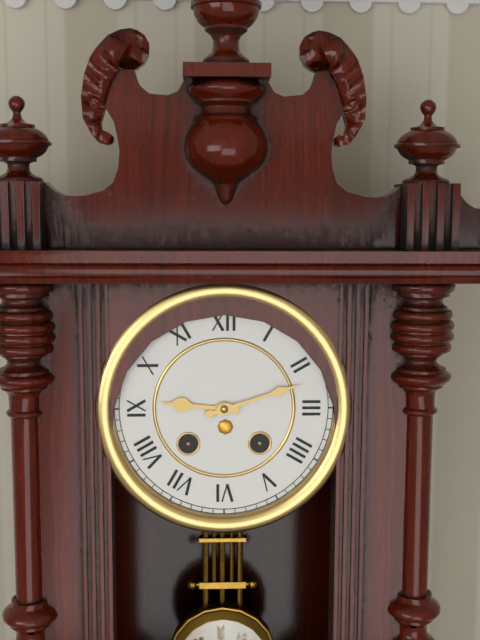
9.12
